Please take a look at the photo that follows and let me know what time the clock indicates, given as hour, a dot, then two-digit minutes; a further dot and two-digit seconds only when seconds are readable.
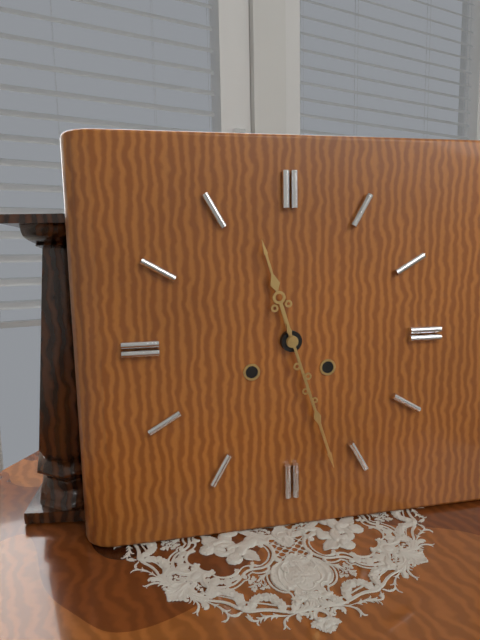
11.27
